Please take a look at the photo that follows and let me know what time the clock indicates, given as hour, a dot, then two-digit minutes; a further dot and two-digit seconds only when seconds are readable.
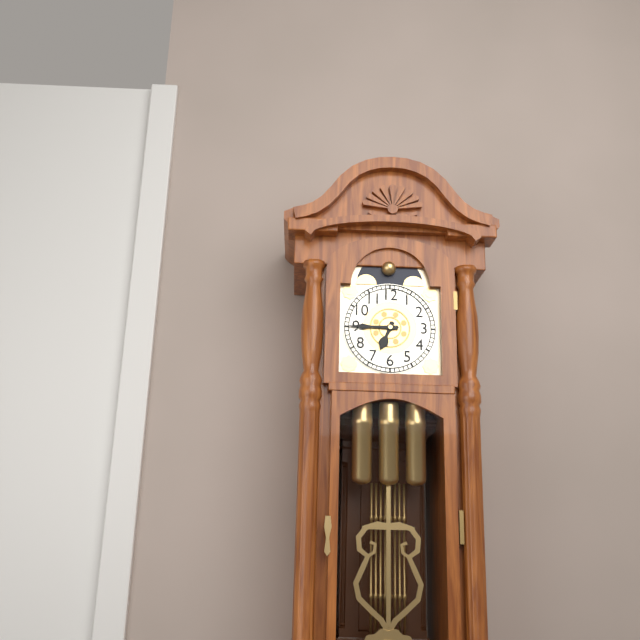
6.45
